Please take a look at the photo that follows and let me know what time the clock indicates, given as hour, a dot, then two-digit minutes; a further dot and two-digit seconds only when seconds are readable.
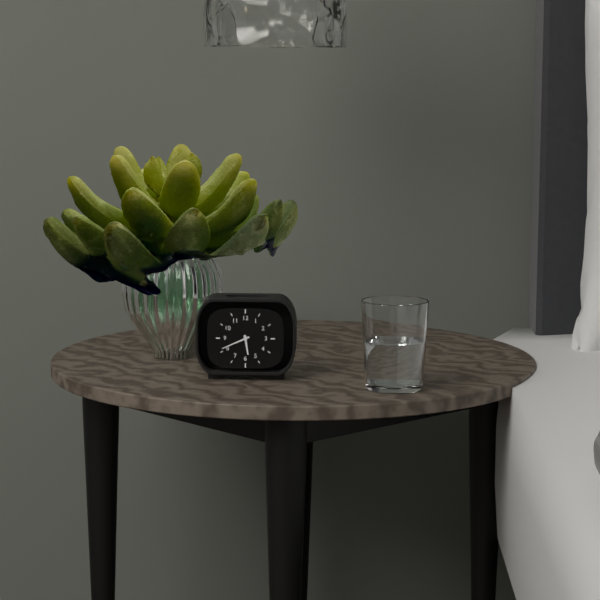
5.41
